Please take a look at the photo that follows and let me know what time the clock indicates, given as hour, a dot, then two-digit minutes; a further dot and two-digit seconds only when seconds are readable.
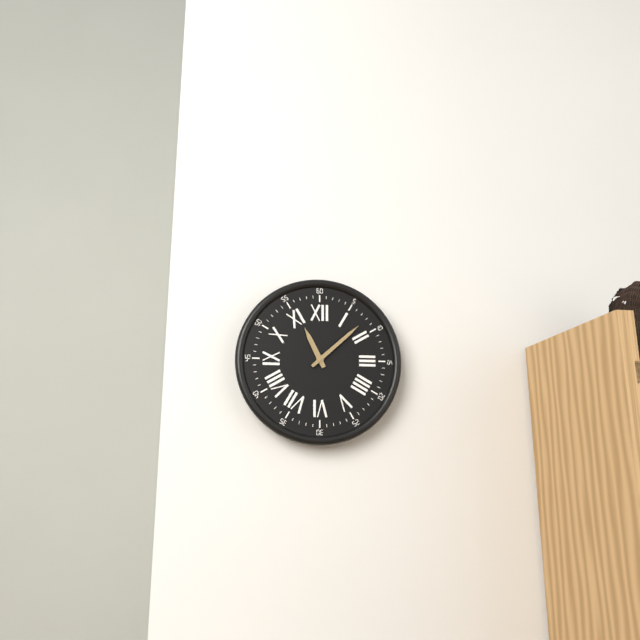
11.08
